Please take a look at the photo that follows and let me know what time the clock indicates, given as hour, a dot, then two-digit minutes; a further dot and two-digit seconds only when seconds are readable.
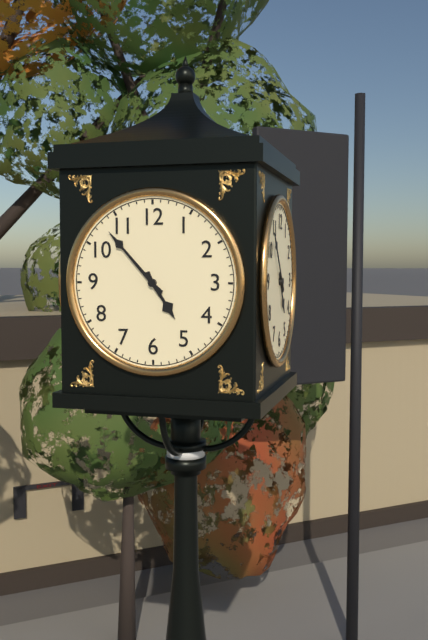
4.53
